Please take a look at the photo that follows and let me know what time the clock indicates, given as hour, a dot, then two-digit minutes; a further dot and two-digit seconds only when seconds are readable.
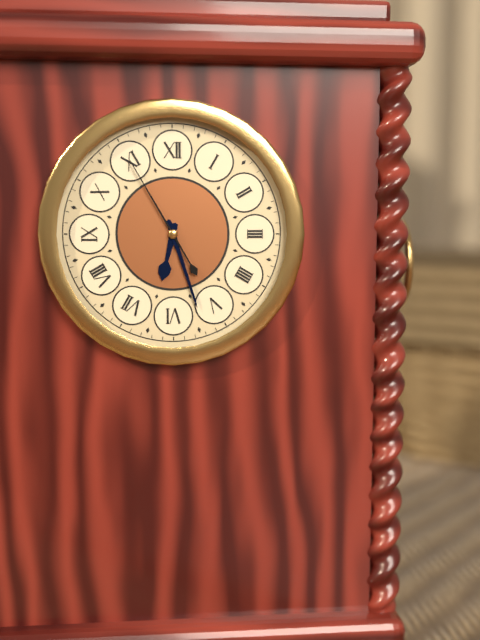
6.27.55
